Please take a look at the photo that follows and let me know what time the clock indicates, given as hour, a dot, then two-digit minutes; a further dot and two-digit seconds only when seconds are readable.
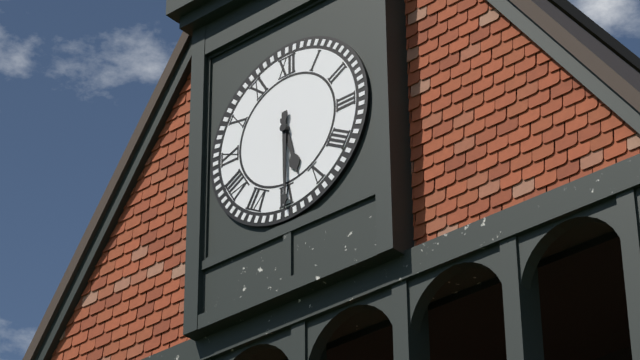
5.30
